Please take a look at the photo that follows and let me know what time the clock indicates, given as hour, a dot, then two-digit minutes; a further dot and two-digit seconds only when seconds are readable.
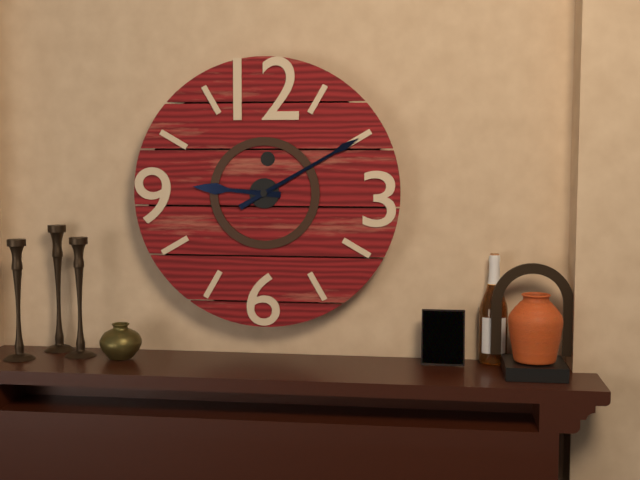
9.10
